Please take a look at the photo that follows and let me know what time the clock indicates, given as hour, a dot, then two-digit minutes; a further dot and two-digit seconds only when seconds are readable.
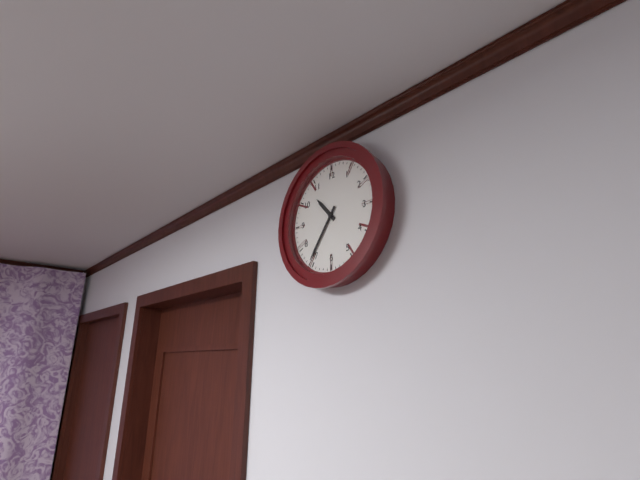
10.36
